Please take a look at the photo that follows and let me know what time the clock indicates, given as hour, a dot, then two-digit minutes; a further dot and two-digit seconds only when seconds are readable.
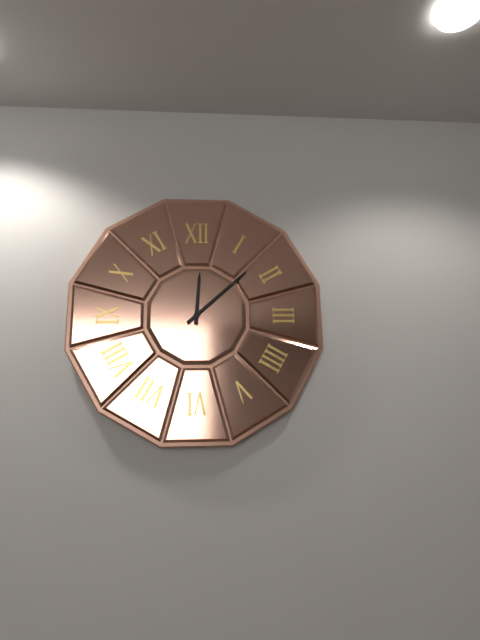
12.08
